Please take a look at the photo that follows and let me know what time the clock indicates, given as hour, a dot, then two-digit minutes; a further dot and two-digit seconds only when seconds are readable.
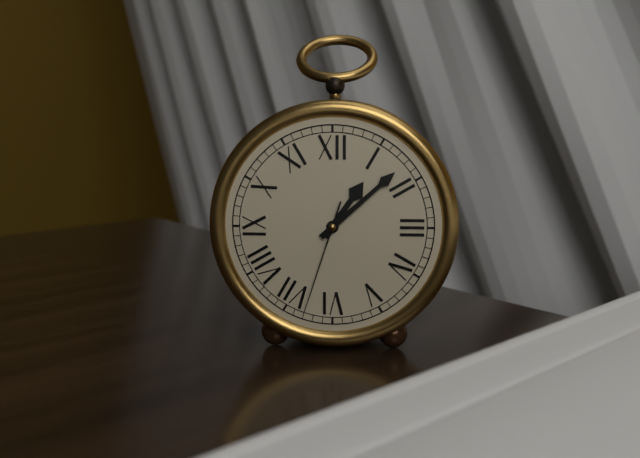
1.08.33
